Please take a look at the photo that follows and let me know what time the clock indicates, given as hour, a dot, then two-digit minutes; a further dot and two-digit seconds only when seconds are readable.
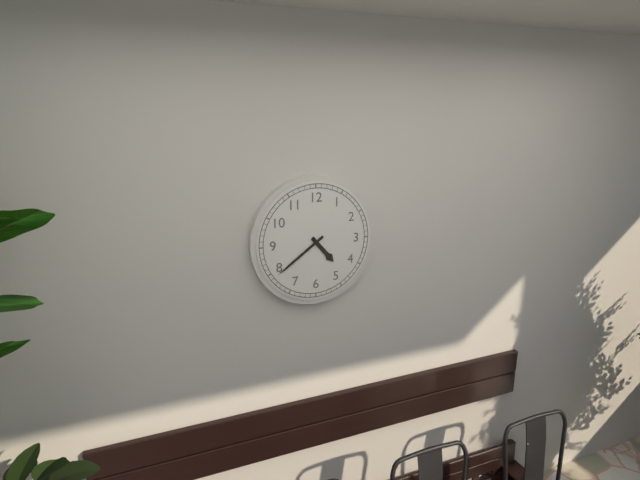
4.39
